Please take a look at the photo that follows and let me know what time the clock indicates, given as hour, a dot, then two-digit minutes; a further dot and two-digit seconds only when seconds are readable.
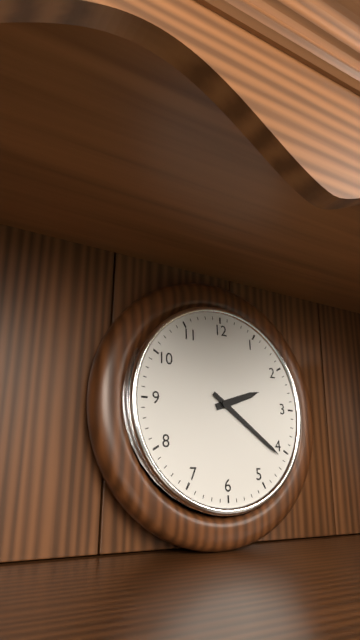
2.21
